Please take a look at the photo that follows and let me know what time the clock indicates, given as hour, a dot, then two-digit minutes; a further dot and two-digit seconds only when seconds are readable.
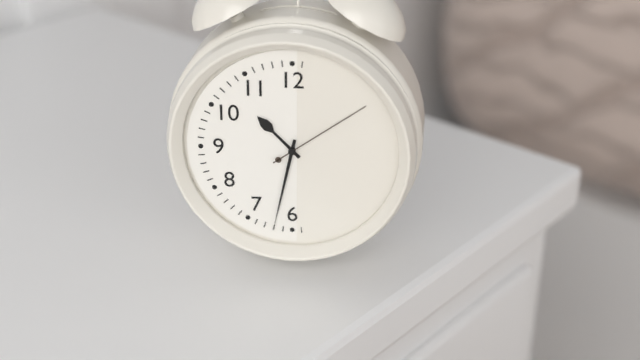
10.32.09
